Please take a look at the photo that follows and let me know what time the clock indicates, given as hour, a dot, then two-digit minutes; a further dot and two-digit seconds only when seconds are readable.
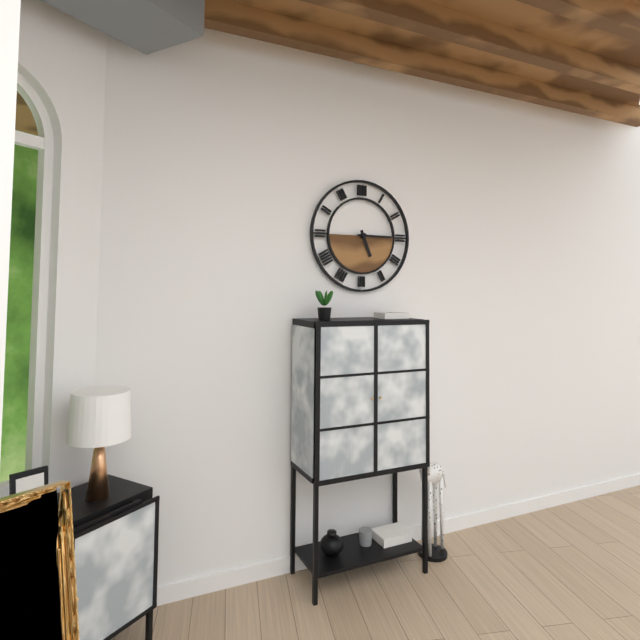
5.15
